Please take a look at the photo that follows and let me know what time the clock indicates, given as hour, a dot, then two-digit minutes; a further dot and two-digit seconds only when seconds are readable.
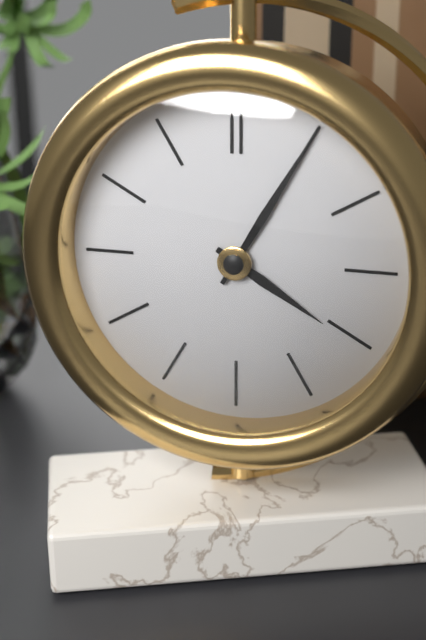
4.05
